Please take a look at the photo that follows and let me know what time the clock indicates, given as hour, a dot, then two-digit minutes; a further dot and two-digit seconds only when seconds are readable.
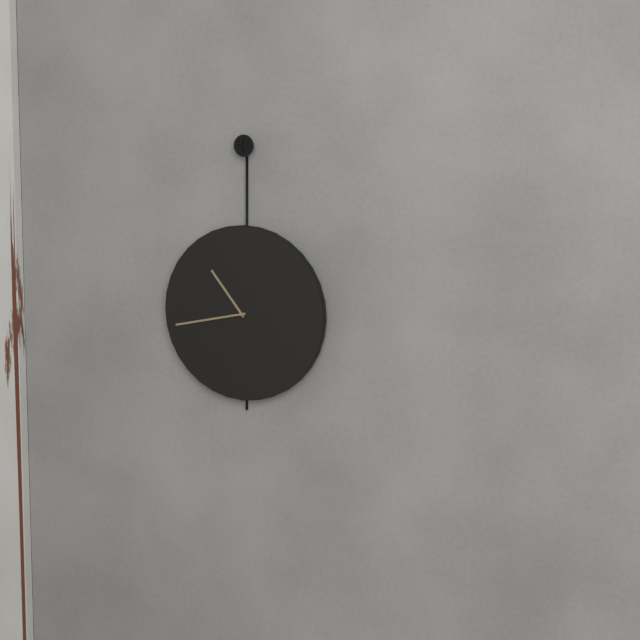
10.43
